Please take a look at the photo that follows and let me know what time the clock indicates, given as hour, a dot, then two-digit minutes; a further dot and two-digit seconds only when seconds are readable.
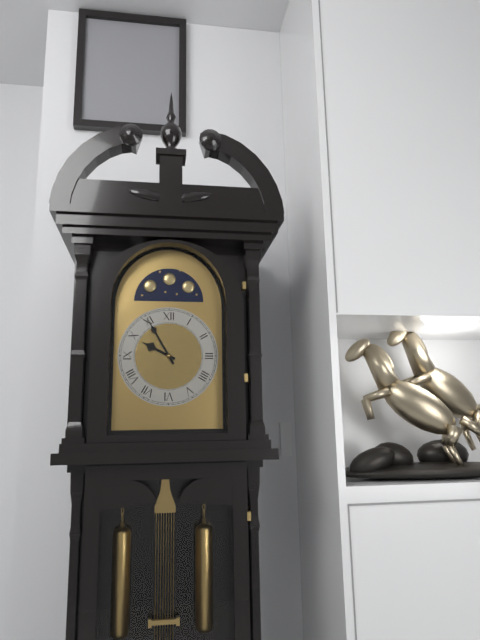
9.55
